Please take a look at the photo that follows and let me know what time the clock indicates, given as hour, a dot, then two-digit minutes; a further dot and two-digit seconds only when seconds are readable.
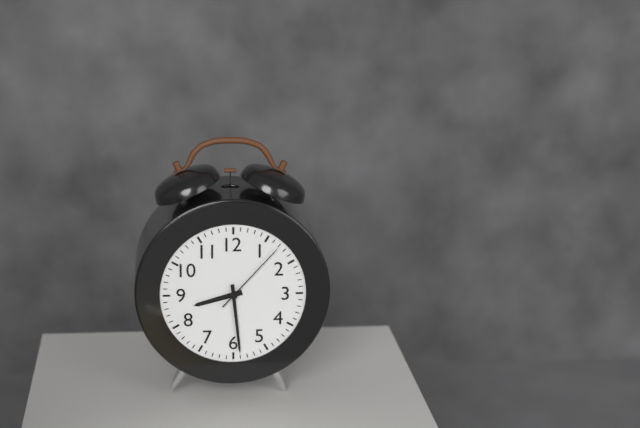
8.29.07
